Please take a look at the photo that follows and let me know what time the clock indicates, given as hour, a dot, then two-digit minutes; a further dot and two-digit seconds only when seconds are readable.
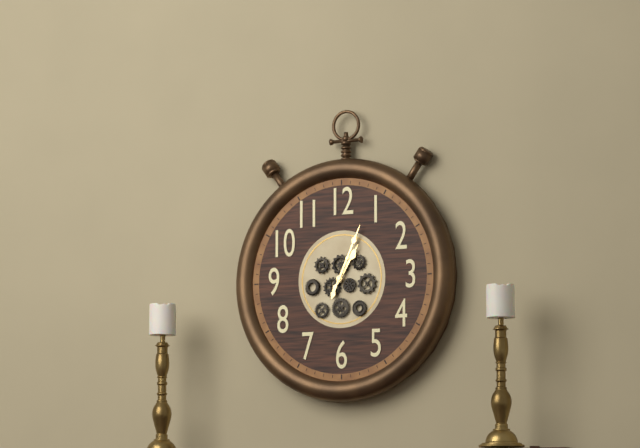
1.04
